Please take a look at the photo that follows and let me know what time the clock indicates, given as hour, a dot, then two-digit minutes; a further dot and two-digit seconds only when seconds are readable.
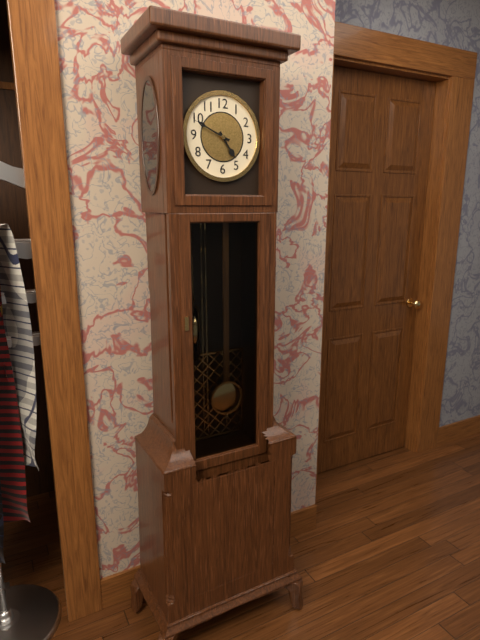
4.49
